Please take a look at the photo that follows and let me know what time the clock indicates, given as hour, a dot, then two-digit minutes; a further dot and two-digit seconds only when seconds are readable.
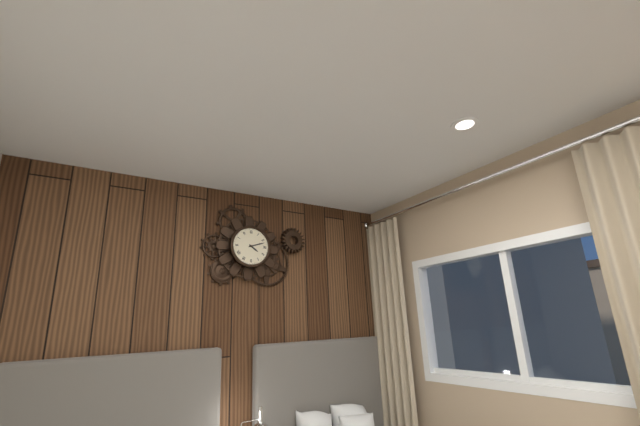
4.12
